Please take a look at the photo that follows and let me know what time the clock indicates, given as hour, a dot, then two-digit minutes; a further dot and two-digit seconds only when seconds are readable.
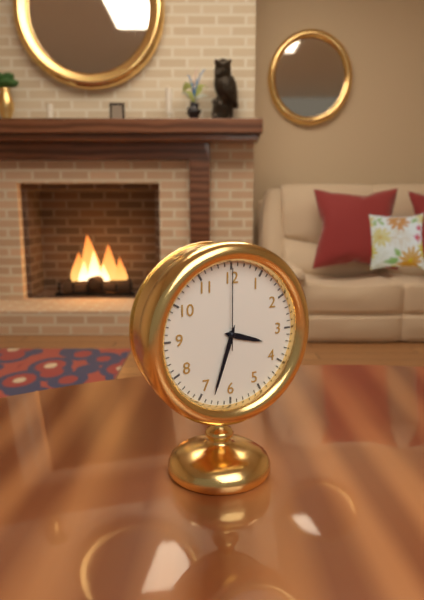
3.33.00
